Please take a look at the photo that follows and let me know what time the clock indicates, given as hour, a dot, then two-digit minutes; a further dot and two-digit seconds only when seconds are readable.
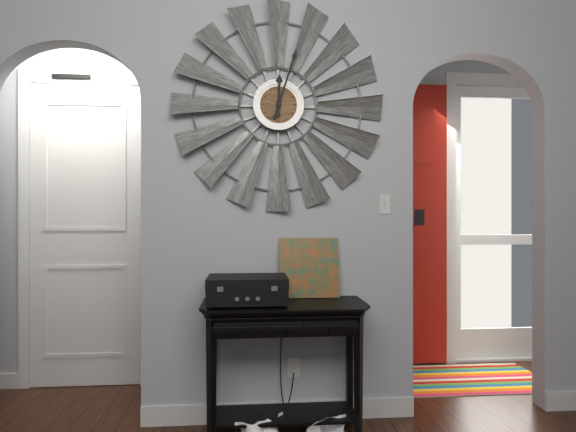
12.03
